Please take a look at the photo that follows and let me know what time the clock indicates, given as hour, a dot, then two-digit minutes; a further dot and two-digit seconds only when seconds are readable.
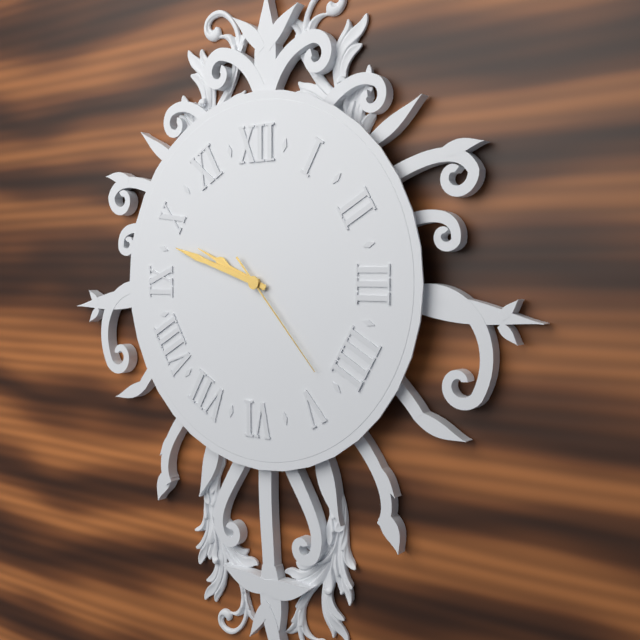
9.48.23
